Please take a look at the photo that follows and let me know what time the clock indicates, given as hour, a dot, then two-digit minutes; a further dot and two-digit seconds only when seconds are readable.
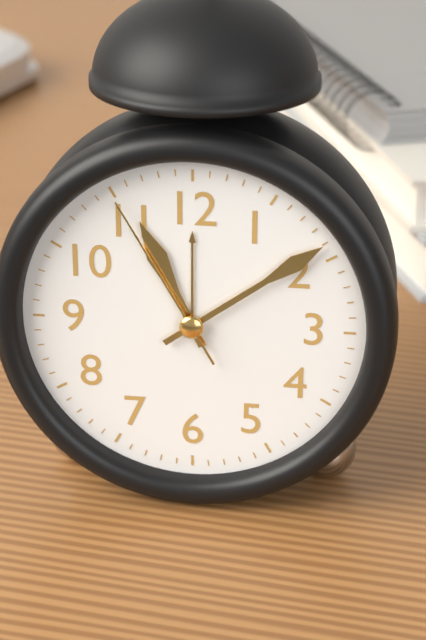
11.09.55
